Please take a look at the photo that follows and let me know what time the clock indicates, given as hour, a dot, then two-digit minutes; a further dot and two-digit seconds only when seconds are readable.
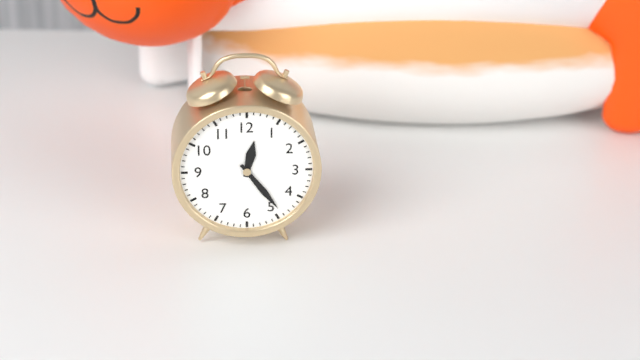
12.24
